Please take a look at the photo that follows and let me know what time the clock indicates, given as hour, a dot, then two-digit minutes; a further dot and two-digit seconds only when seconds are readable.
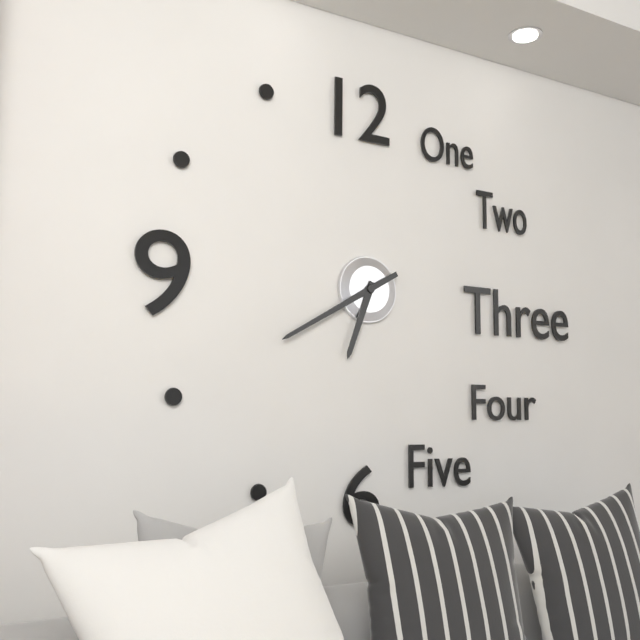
6.40
